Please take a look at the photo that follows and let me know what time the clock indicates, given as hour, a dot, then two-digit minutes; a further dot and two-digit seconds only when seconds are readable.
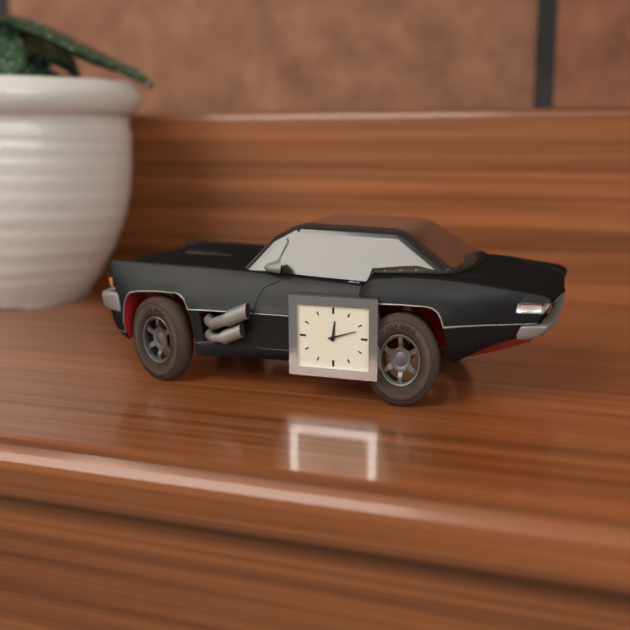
12.12
